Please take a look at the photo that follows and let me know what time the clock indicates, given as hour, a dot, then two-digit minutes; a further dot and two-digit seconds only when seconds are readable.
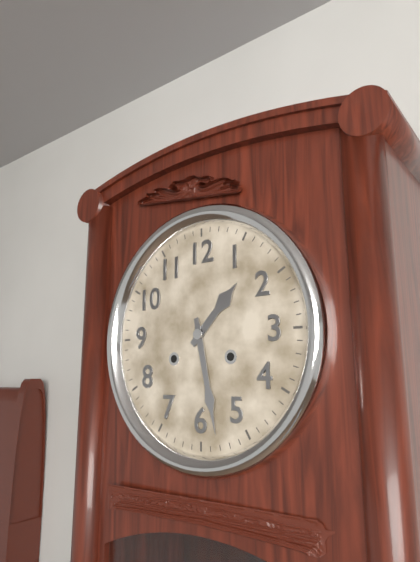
1.28
